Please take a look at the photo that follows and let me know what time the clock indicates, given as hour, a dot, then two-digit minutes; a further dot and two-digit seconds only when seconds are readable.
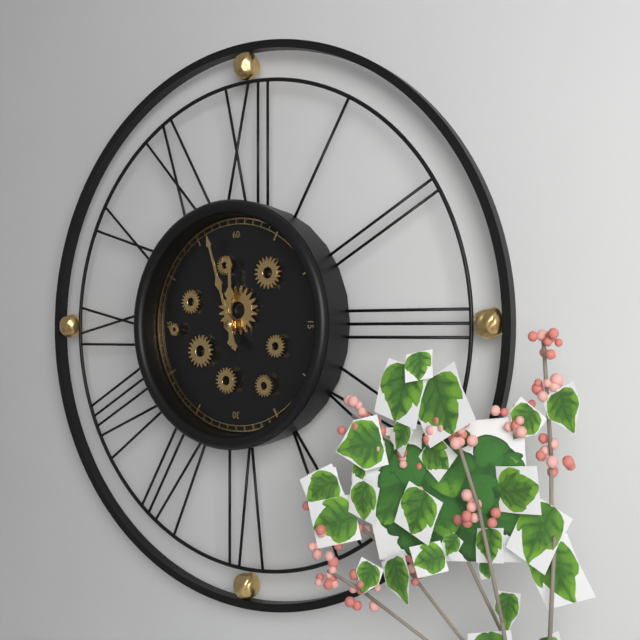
11.57
